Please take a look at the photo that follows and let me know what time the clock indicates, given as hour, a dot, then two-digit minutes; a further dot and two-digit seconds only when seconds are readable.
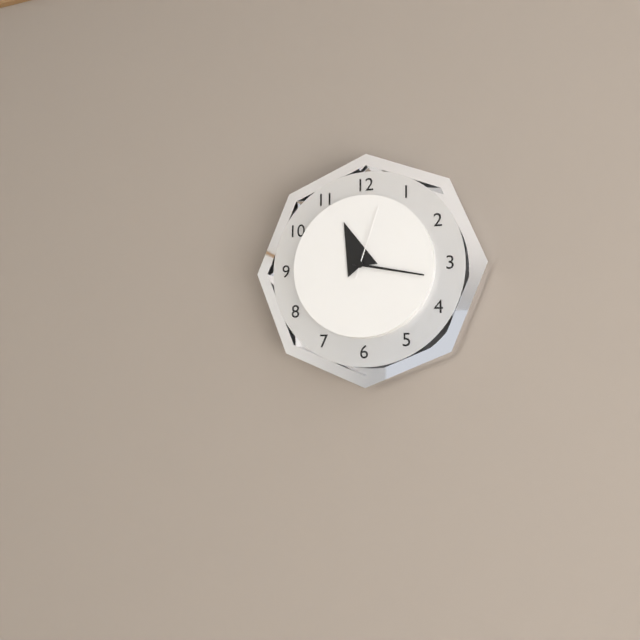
11.17.03
